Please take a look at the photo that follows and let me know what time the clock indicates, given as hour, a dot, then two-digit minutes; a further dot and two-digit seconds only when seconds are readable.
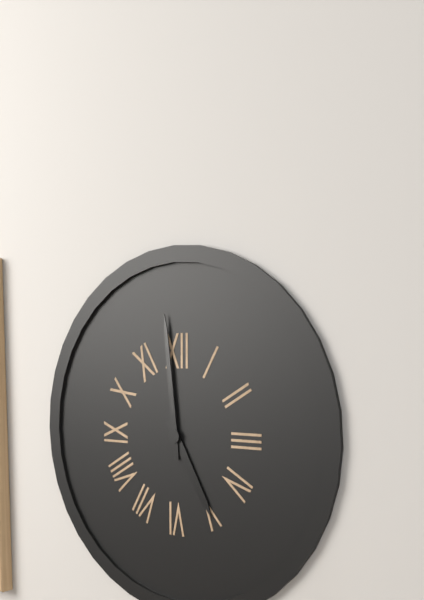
4.59
